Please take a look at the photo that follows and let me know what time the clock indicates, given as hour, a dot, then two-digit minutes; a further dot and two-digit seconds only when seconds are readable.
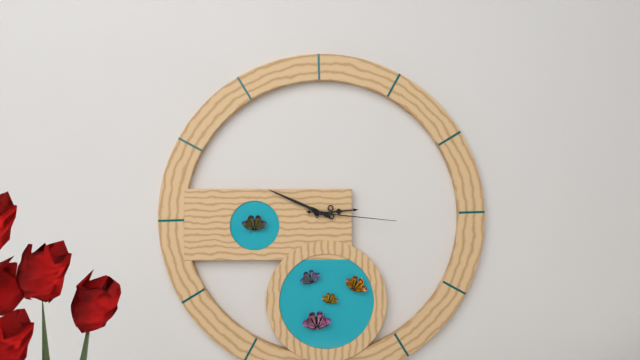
2.49.16
